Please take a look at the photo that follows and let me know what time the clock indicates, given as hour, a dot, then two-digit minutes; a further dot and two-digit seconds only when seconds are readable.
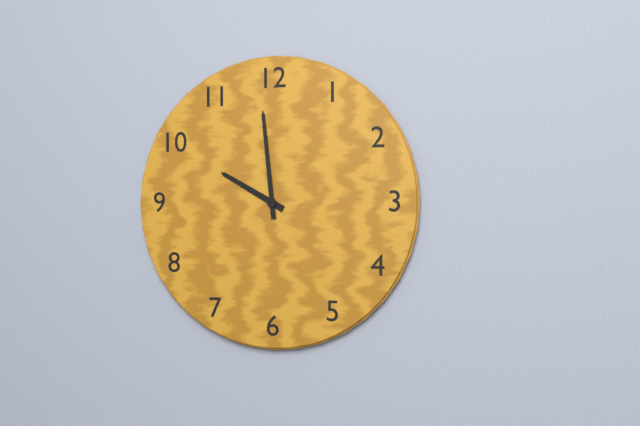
9.59
